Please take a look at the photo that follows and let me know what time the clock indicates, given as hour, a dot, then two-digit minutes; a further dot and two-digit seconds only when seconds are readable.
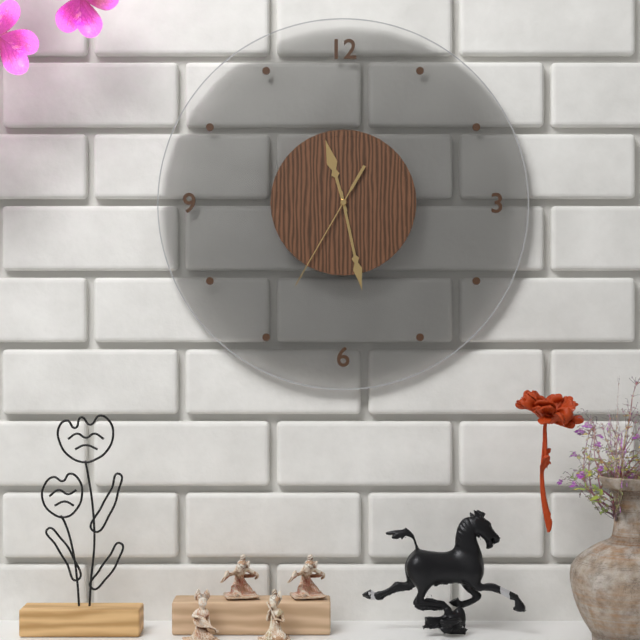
11.28.35
